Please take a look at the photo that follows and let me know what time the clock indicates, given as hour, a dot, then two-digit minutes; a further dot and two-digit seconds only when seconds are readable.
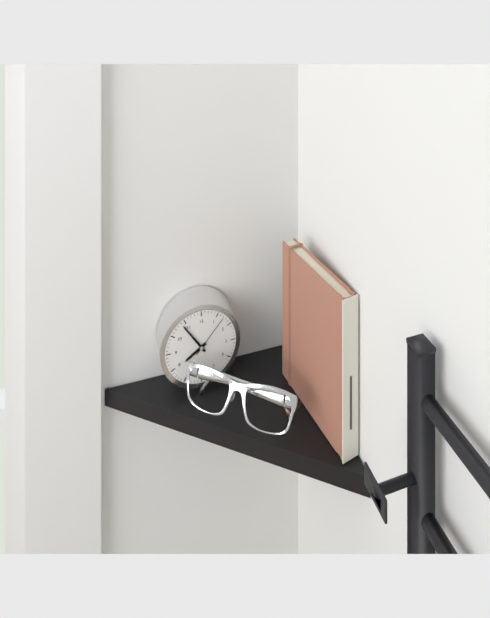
7.54
